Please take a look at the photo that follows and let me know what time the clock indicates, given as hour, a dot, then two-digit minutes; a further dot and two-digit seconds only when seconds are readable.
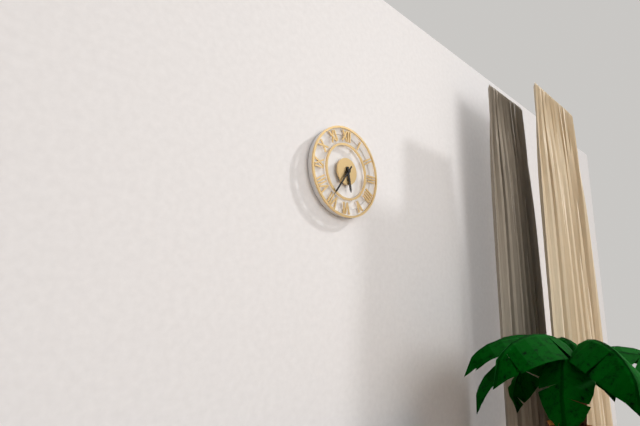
5.36
